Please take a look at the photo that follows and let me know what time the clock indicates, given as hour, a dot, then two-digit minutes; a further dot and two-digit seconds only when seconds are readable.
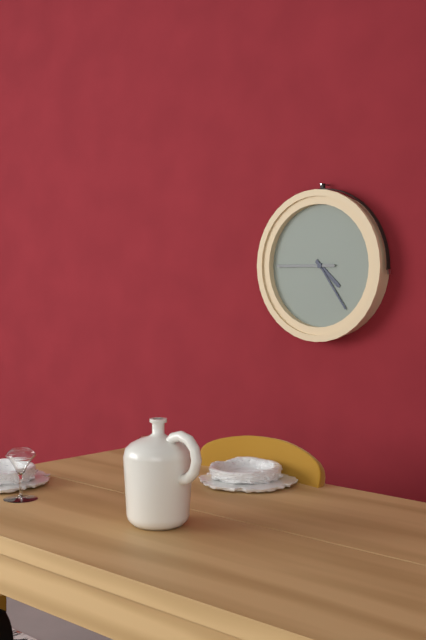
4.24.45
